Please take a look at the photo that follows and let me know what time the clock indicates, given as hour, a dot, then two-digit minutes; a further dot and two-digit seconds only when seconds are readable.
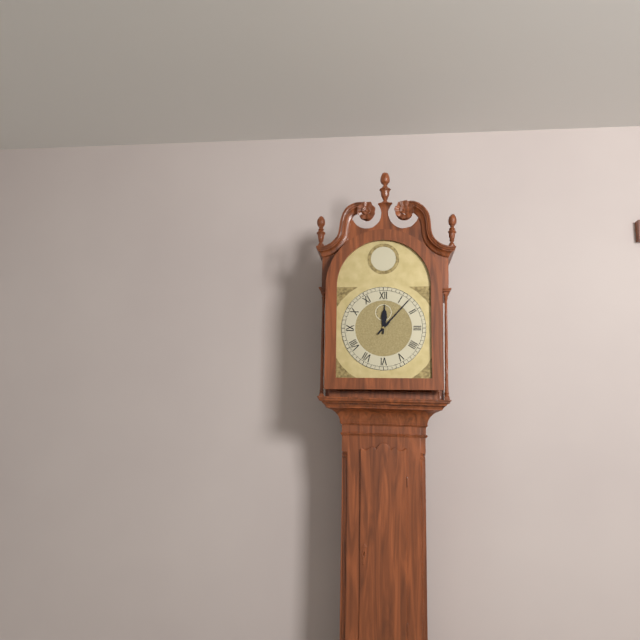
12.07
